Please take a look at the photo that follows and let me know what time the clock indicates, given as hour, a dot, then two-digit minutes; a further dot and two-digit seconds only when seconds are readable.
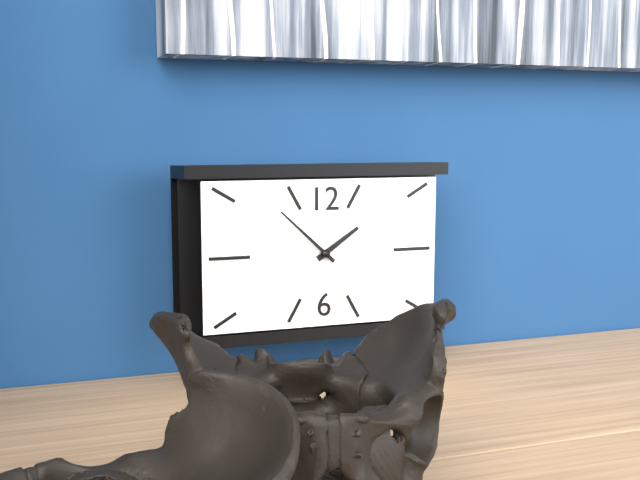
1.52
